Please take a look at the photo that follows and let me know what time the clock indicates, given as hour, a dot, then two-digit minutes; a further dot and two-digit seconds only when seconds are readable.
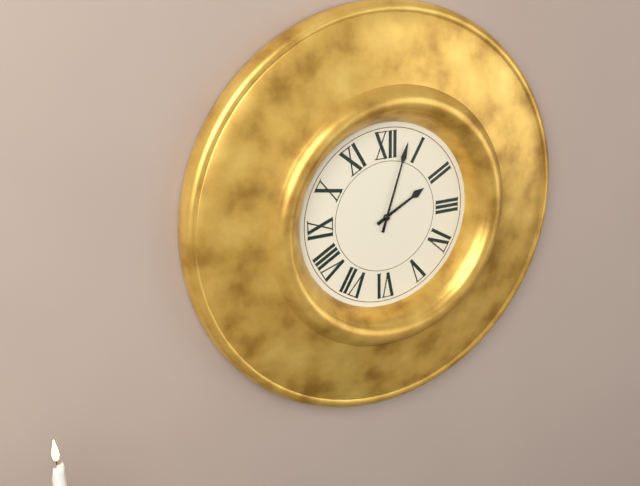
2.03
